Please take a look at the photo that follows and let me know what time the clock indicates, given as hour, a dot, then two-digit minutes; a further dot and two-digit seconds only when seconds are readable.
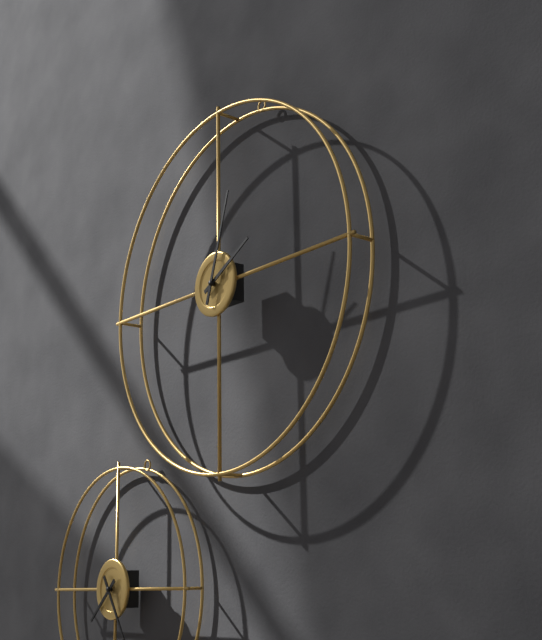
2.03
